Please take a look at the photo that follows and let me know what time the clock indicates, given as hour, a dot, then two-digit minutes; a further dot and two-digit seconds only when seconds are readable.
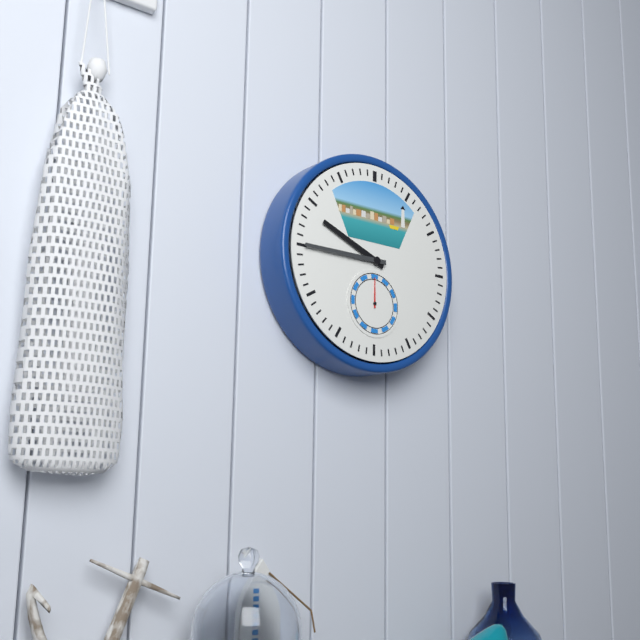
9.45
